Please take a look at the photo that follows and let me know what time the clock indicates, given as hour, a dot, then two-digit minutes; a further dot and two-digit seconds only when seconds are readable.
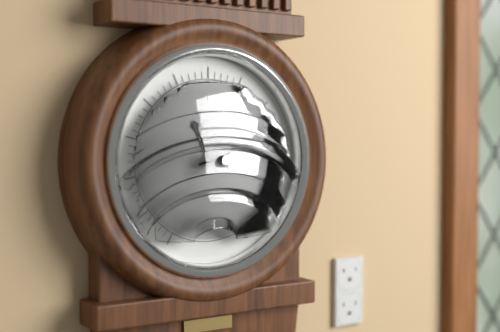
11.12
